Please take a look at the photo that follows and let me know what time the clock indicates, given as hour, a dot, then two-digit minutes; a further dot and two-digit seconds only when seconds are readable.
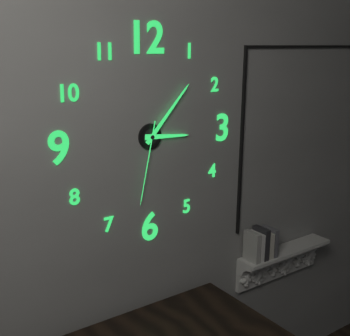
3.07.32
